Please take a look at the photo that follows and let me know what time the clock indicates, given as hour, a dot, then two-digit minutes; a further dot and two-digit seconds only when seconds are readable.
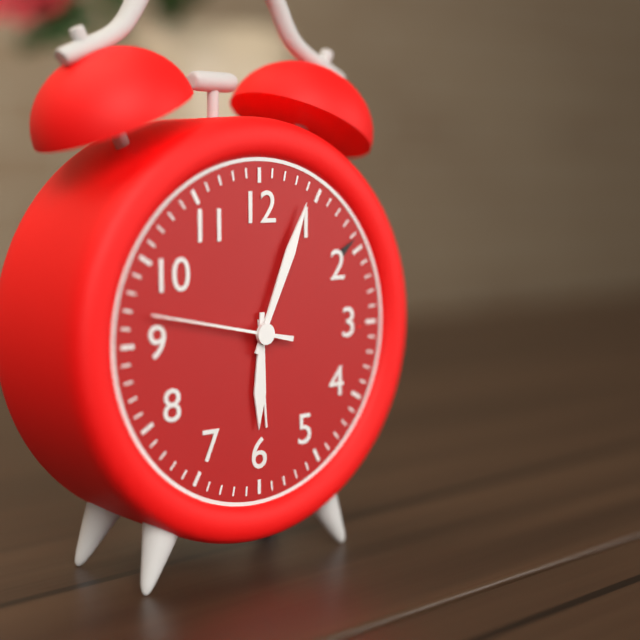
6.04.47
